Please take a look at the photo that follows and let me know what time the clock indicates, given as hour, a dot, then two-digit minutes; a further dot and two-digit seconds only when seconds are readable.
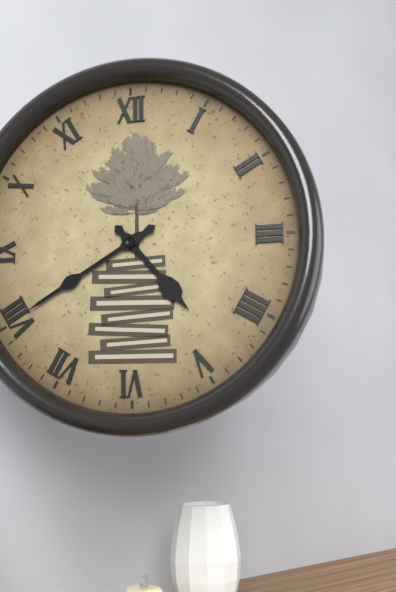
4.40
